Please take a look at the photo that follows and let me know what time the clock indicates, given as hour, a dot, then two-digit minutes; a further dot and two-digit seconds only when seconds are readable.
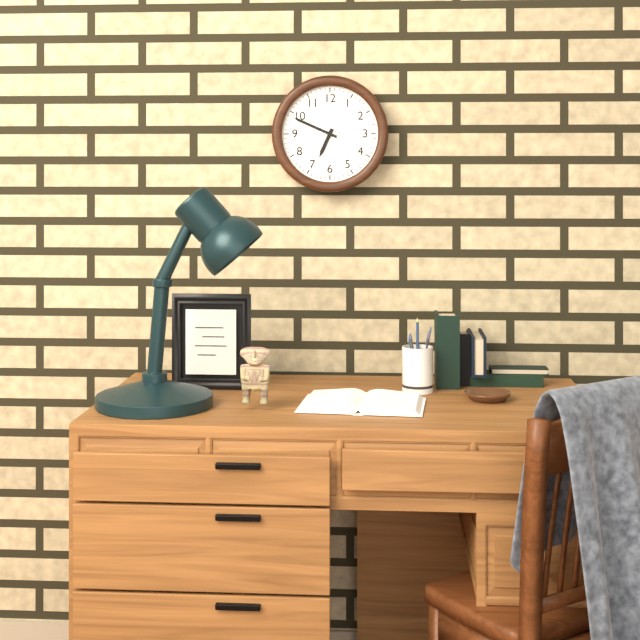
6.49
